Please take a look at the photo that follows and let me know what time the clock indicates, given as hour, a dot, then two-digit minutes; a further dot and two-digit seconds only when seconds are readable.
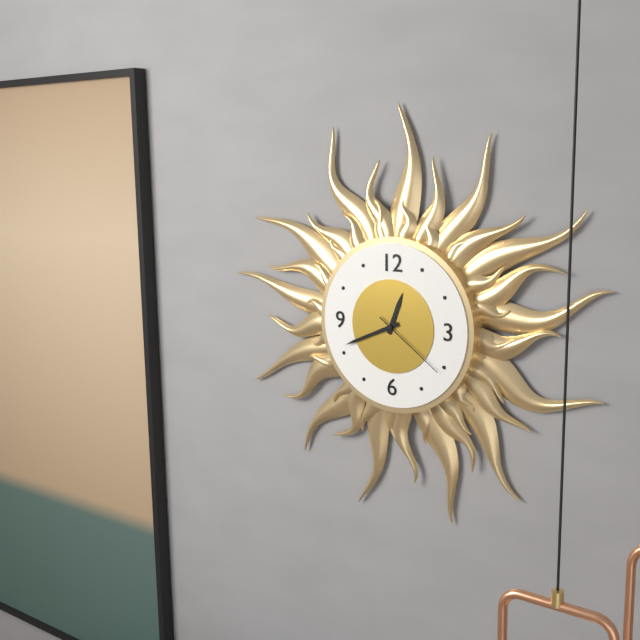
12.41.21
